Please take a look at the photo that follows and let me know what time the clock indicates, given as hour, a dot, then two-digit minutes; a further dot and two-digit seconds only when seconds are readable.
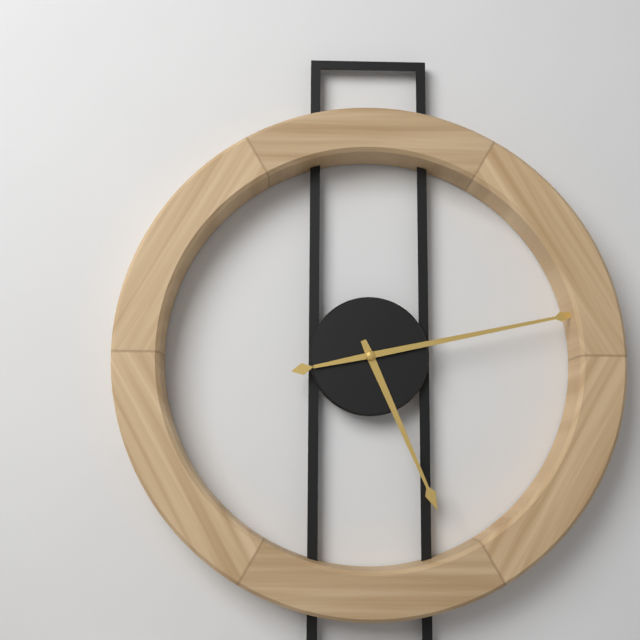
5.13
